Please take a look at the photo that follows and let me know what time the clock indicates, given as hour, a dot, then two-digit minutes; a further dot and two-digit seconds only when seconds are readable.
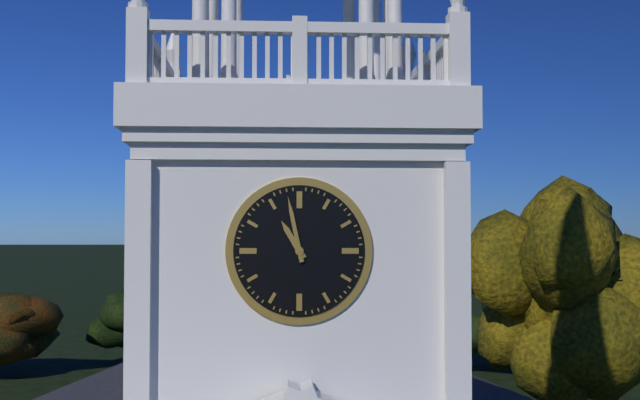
10.58
